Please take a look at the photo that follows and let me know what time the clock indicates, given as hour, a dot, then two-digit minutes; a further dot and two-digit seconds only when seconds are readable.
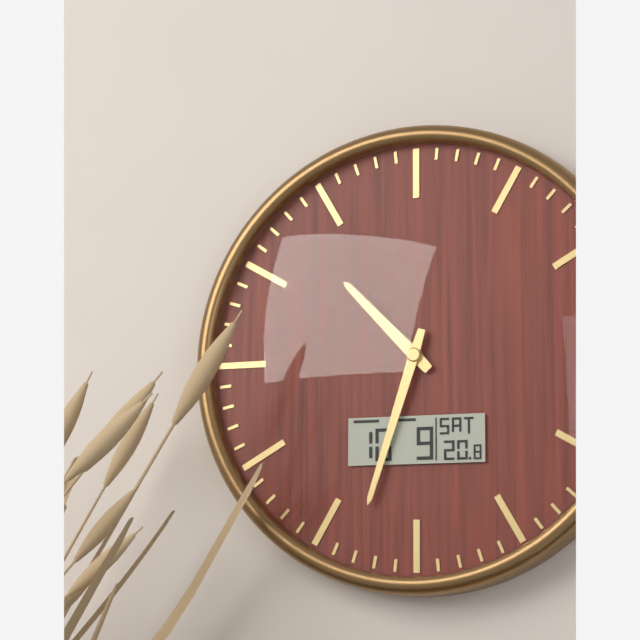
10.33
